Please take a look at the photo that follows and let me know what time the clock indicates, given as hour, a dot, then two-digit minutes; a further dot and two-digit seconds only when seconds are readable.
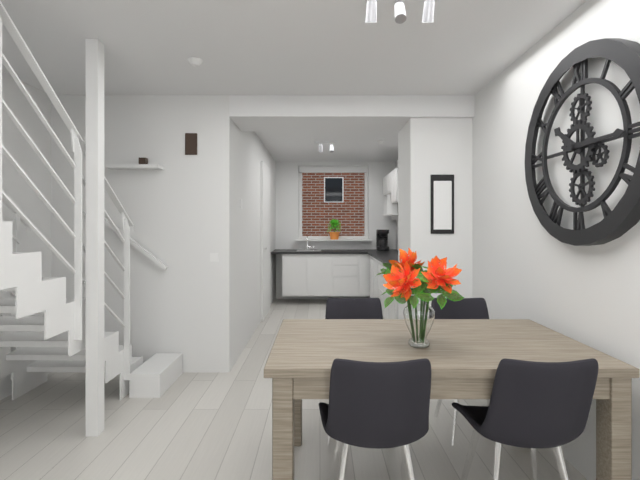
10.15
